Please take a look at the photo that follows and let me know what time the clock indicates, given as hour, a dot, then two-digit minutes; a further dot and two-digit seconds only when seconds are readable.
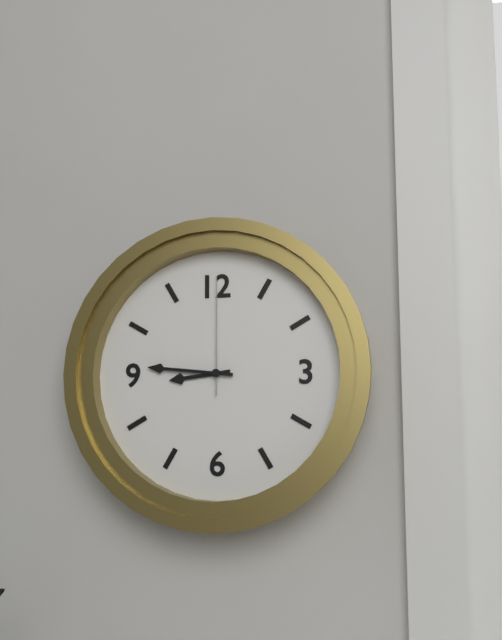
8.46.00
